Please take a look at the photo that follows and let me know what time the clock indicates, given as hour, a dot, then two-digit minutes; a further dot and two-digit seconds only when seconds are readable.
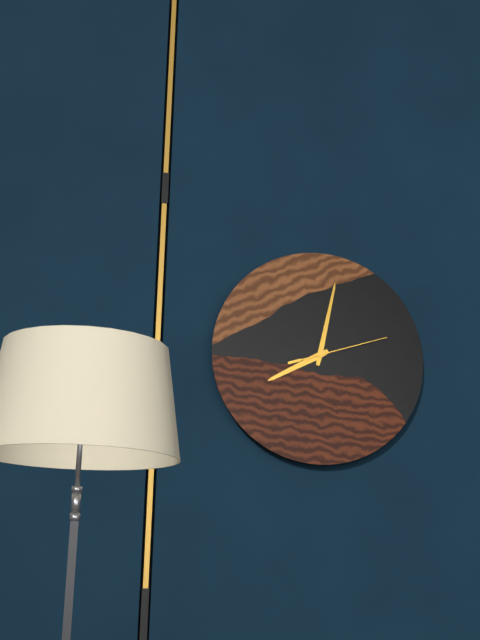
8.02.12
